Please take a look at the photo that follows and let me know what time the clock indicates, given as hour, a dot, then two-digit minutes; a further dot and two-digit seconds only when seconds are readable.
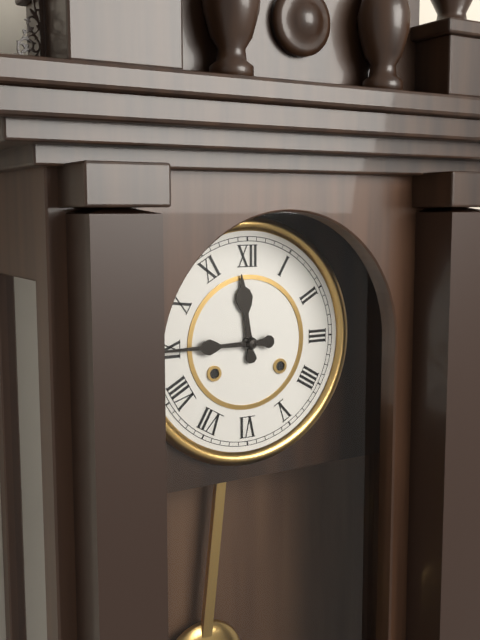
11.45
